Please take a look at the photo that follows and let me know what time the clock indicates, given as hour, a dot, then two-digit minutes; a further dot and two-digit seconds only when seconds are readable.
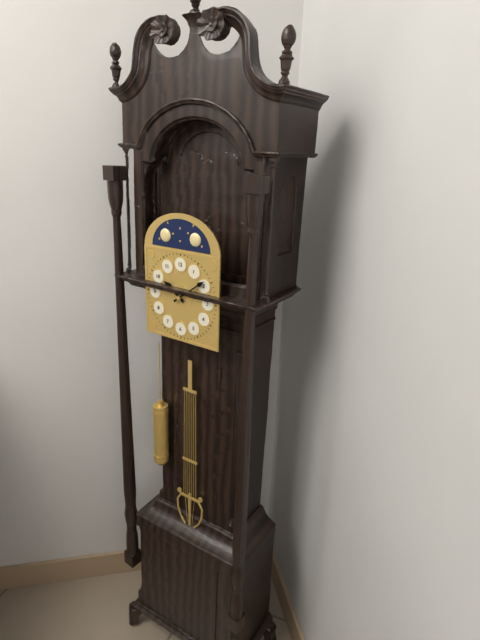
10.09
